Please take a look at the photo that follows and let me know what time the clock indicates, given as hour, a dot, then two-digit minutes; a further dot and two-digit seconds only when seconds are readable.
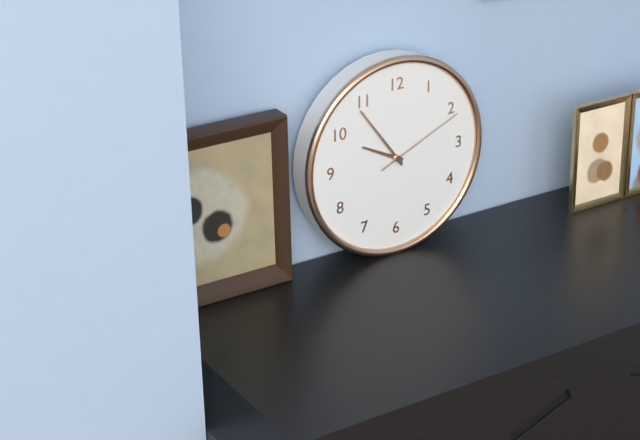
9.54.11
